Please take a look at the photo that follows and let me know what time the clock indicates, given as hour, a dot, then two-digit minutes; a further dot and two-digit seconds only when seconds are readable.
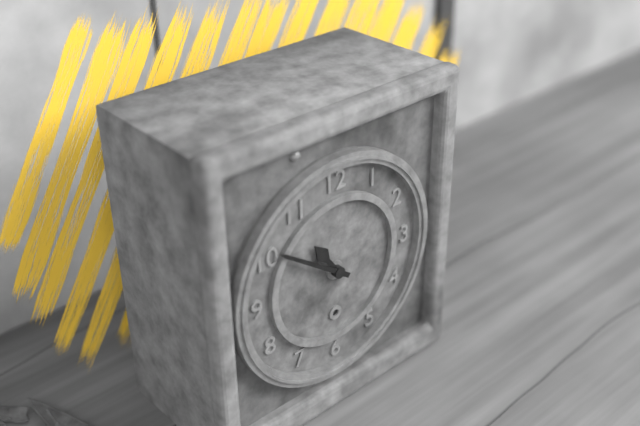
10.51
